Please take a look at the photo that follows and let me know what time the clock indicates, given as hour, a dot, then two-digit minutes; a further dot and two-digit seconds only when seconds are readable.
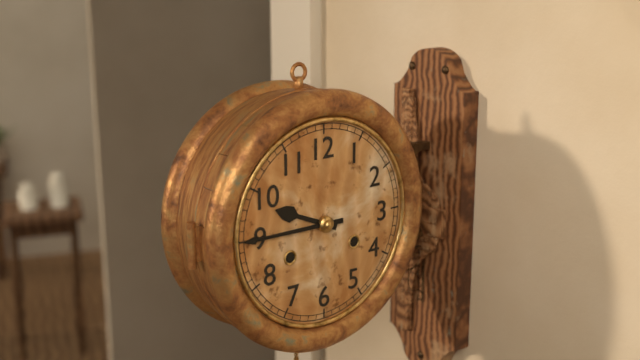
9.45
